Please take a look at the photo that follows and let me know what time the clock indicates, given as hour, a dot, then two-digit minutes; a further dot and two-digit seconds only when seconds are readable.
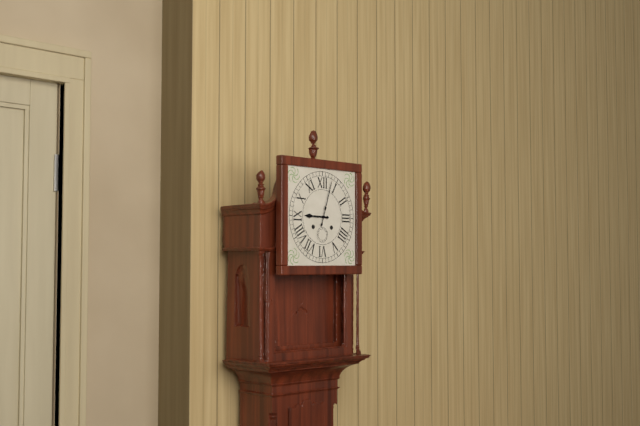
9.03
